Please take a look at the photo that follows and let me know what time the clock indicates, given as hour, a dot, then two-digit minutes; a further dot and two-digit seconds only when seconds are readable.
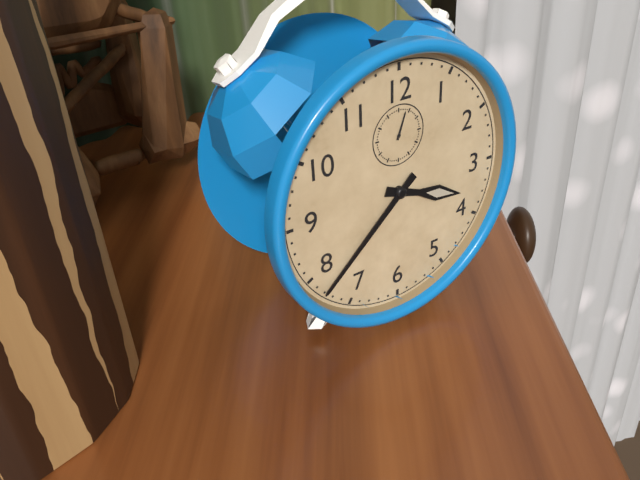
3.38
